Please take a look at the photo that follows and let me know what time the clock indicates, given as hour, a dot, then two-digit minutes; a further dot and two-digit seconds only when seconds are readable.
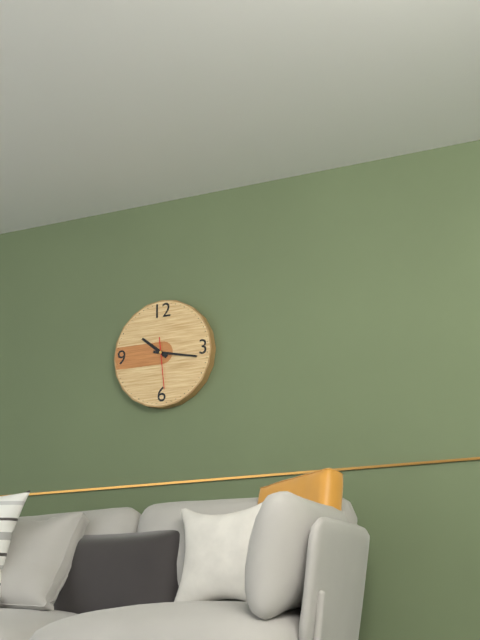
10.17
